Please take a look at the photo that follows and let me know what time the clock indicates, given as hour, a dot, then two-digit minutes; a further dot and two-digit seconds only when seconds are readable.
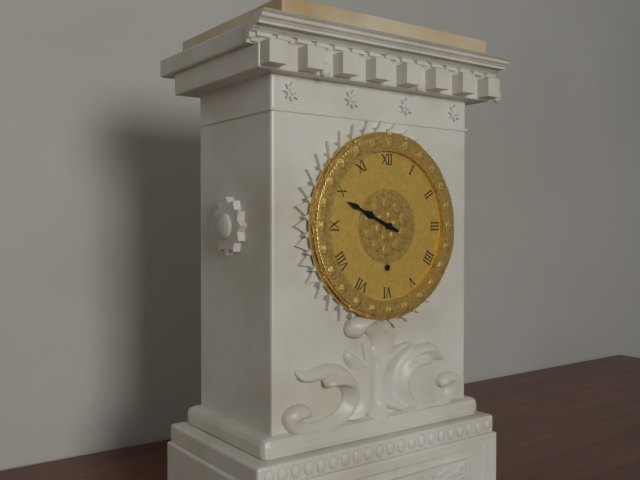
9.49
